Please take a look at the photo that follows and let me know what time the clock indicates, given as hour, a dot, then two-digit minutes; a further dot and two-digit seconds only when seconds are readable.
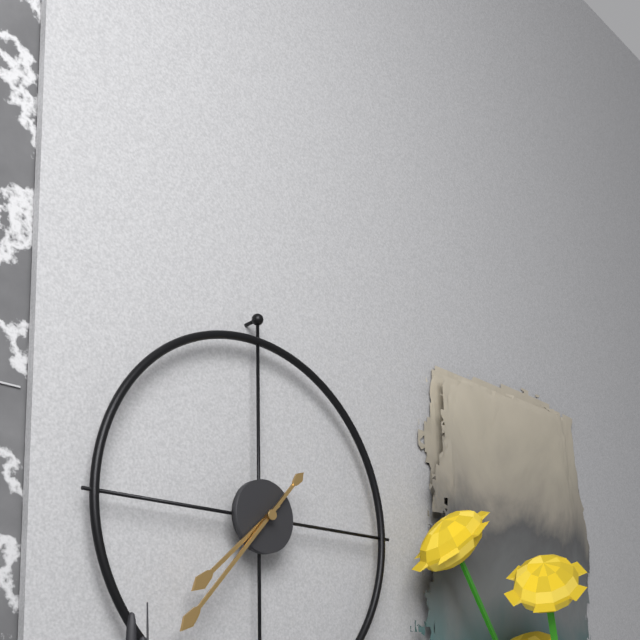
7.37
